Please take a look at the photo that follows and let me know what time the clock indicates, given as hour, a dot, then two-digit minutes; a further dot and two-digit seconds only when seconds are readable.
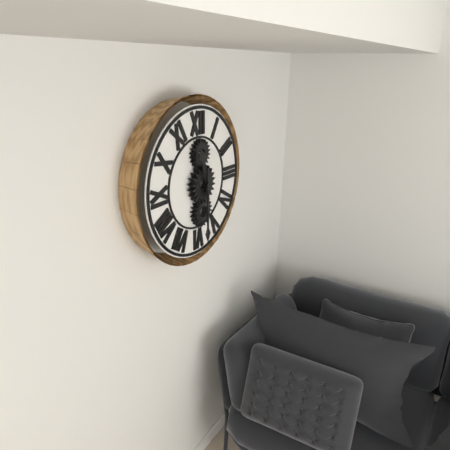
11.30
